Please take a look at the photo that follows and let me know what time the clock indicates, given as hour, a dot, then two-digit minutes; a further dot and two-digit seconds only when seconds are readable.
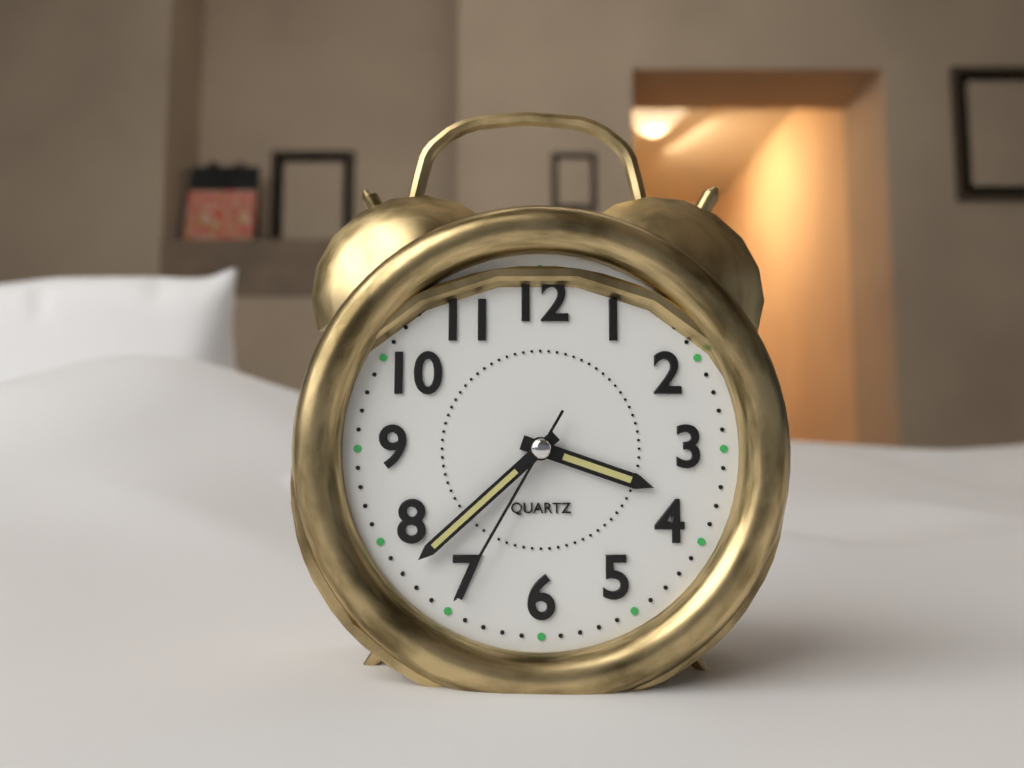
3.38.35
